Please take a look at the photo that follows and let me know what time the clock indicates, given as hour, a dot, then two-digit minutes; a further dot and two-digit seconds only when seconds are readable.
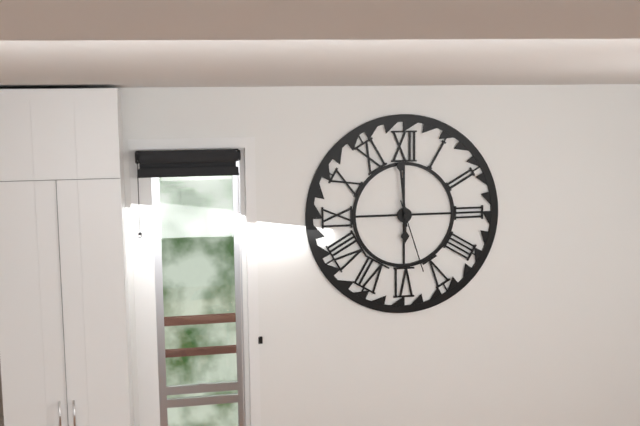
5.59.27
